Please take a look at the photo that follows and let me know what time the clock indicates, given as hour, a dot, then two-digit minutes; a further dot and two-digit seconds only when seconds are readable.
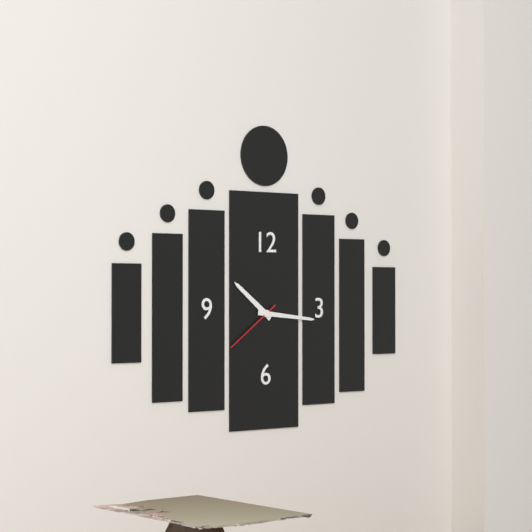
10.16.39
